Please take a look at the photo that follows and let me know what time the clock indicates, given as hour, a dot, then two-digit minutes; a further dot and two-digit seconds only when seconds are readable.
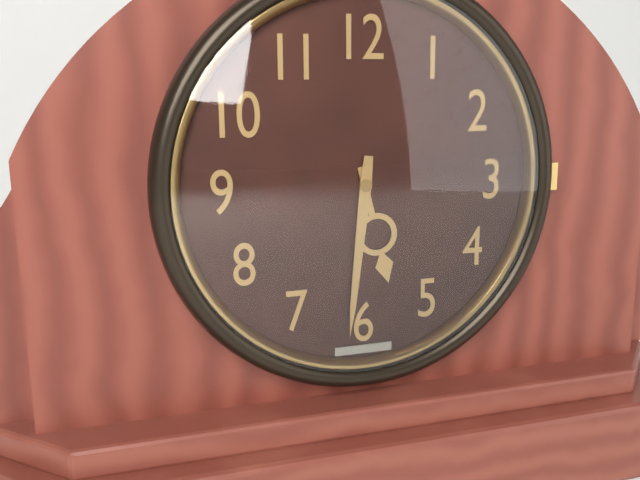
5.31
